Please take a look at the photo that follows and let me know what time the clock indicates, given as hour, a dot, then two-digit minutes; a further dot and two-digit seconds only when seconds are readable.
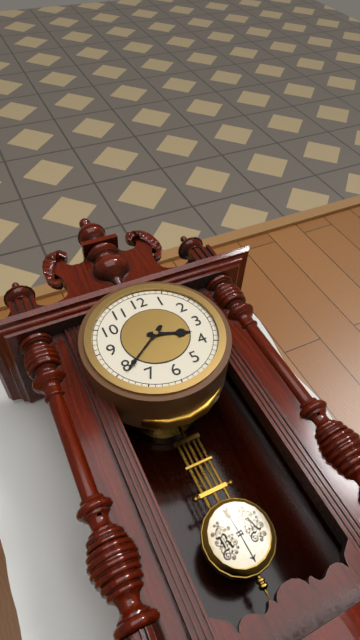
3.39
